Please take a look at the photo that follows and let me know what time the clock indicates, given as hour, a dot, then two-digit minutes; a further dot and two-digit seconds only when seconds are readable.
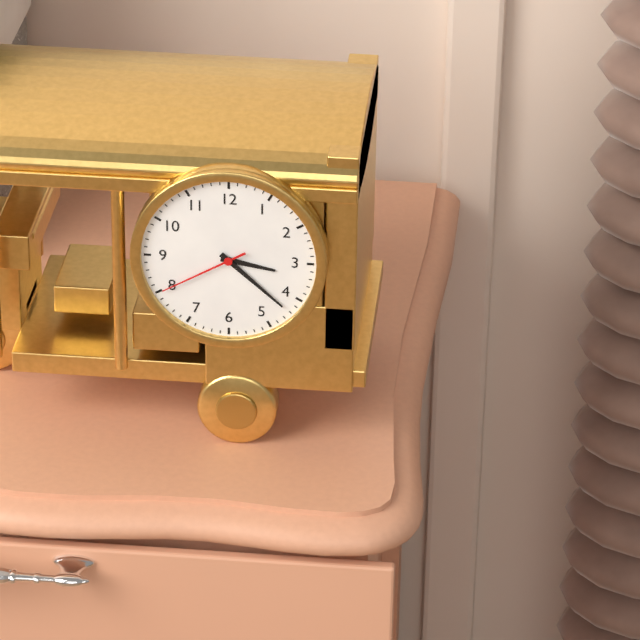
3.22.40
